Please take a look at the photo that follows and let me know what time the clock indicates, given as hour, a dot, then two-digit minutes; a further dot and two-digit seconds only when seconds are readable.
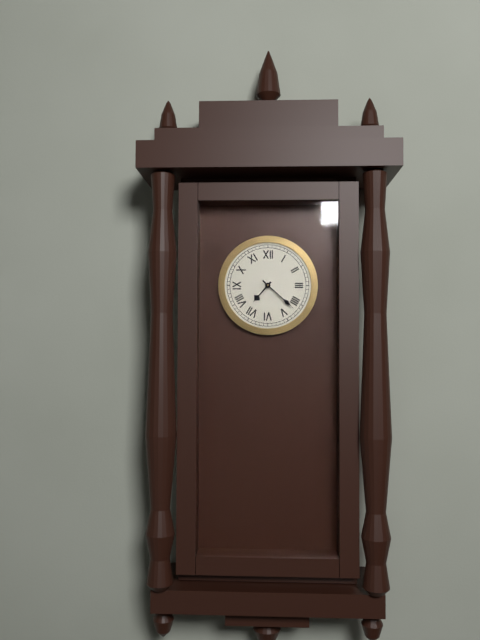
7.22
